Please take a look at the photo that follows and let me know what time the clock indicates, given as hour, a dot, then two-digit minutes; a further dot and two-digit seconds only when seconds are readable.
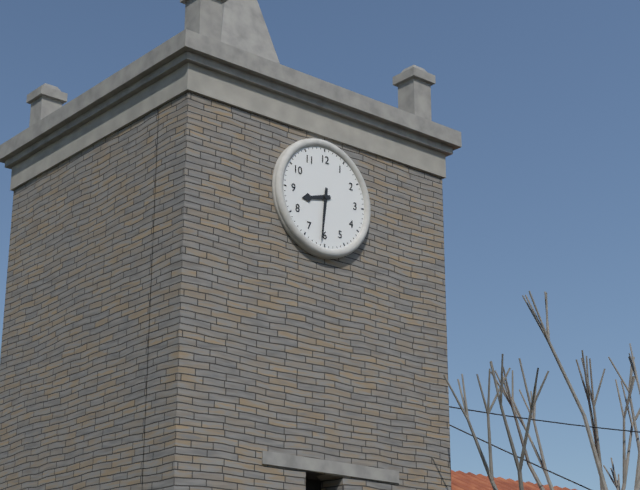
8.31
